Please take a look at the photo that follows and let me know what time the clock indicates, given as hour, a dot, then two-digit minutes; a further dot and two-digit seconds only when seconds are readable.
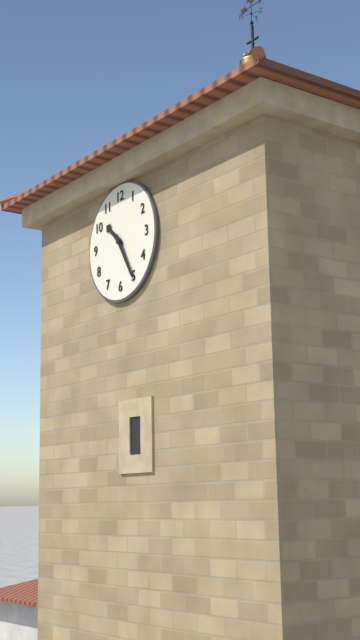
10.25
